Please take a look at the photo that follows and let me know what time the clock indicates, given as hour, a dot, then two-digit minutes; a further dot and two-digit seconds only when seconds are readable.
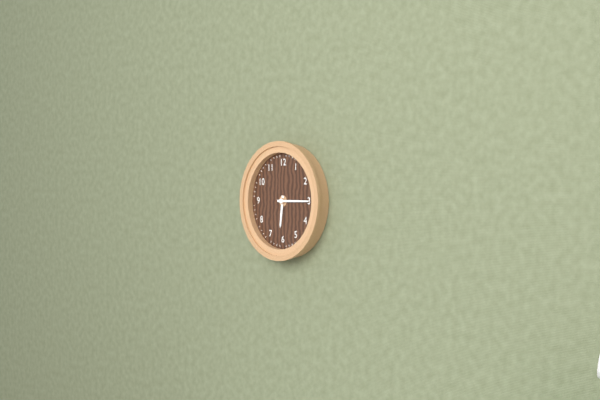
6.15
